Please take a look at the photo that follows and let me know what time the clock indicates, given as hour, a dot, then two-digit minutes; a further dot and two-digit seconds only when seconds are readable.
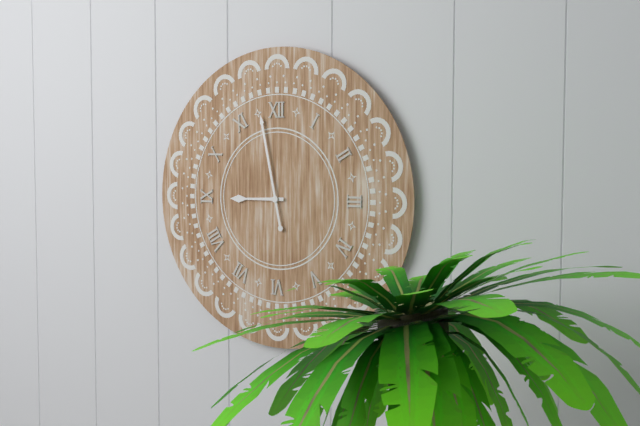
8.58
